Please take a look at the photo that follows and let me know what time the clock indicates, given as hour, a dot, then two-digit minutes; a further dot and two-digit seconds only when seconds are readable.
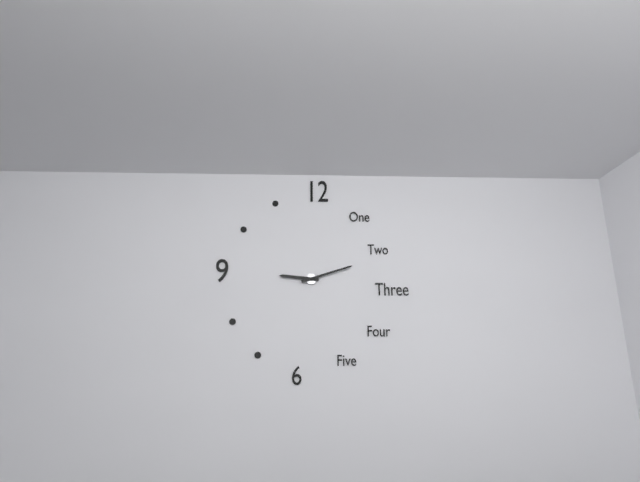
9.12
